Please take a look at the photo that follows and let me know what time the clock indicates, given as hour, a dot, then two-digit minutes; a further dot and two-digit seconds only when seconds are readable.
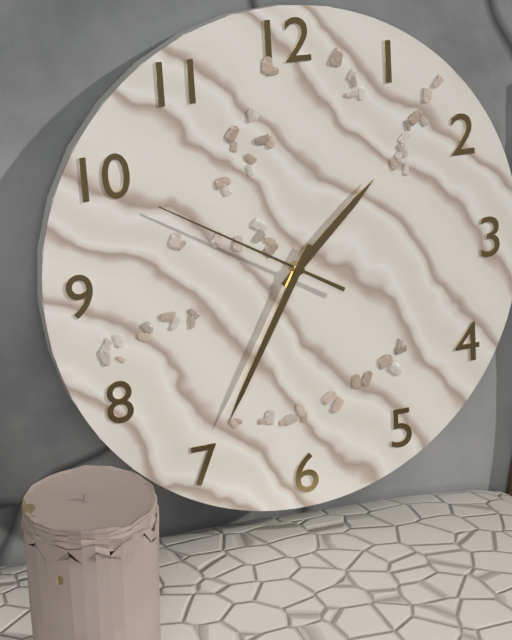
1.35.50
